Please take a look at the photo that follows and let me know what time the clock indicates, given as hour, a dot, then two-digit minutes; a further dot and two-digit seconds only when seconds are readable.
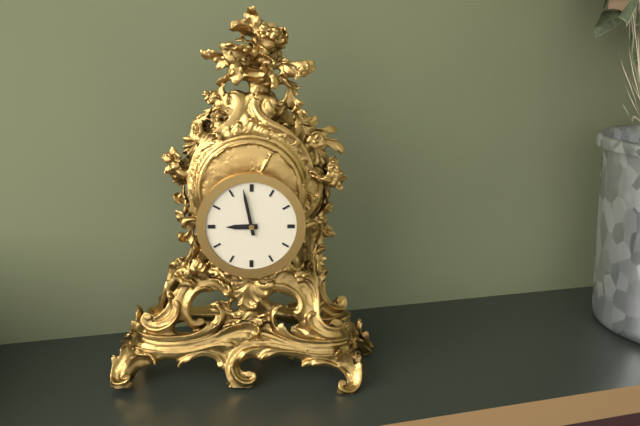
8.58
